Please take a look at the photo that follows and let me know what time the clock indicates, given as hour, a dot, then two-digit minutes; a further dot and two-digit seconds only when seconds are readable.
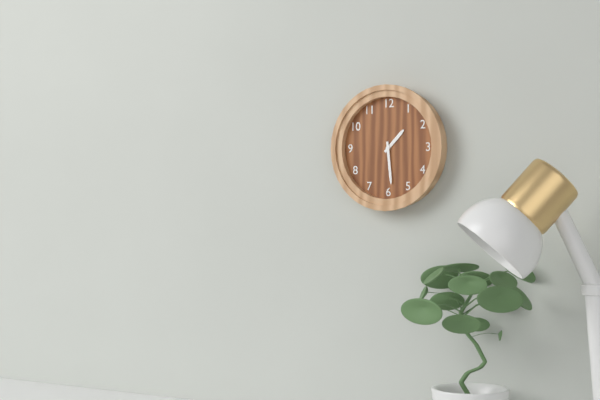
1.29
